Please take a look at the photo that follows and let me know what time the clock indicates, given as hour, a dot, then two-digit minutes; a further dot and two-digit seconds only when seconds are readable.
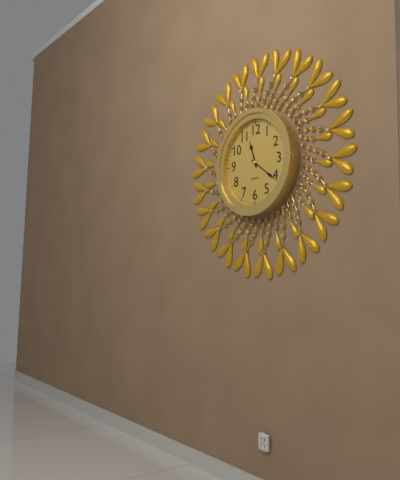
11.21
